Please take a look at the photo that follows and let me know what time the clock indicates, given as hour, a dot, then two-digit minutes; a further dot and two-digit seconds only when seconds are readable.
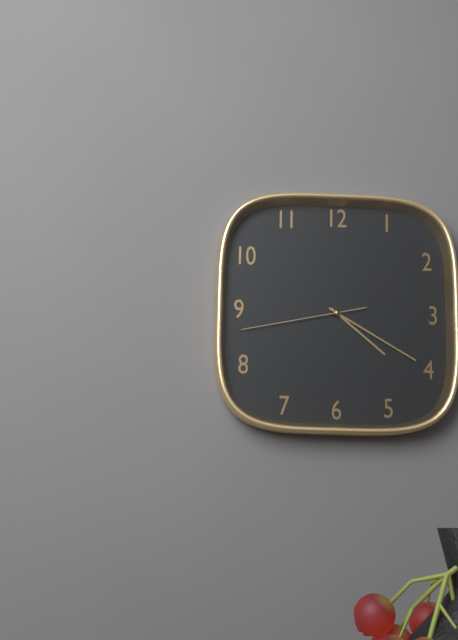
4.20.43
